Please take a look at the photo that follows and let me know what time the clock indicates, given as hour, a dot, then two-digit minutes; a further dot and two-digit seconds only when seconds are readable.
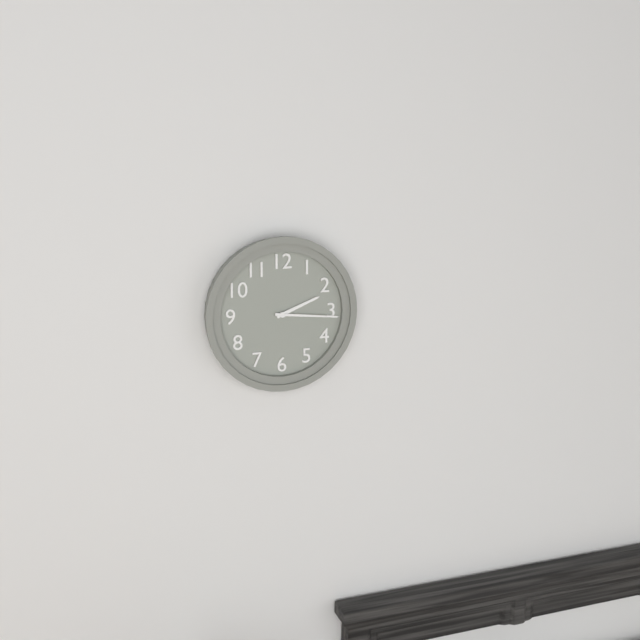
2.16
